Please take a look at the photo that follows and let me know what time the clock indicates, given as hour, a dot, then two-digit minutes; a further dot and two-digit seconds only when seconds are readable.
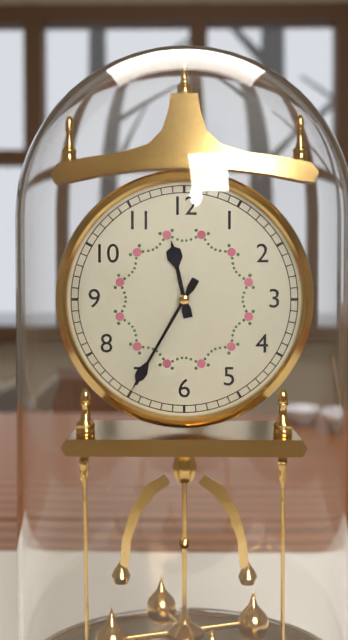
11.35
